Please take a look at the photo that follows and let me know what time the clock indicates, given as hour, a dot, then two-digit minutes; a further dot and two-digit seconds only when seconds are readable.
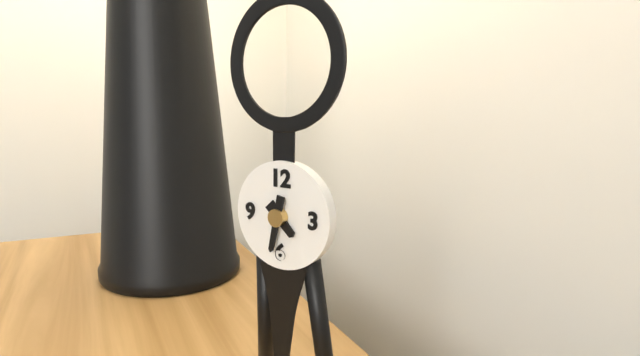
4.32
